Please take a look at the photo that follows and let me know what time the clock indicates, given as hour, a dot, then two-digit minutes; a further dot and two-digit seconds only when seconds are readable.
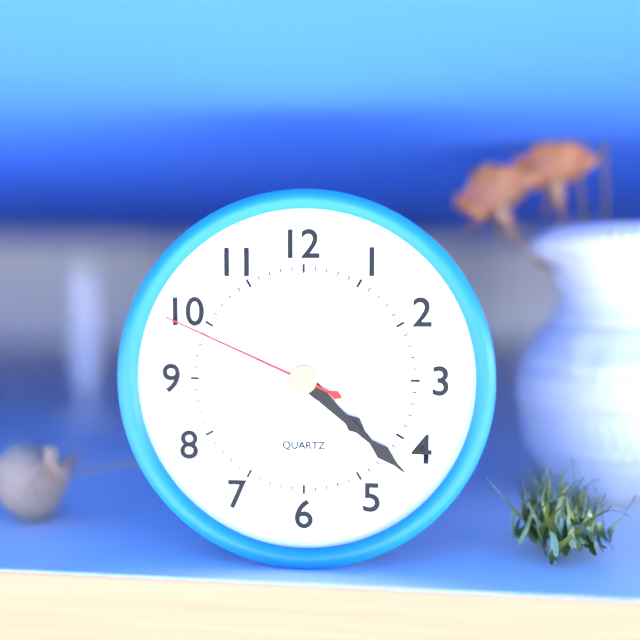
4.22.49
